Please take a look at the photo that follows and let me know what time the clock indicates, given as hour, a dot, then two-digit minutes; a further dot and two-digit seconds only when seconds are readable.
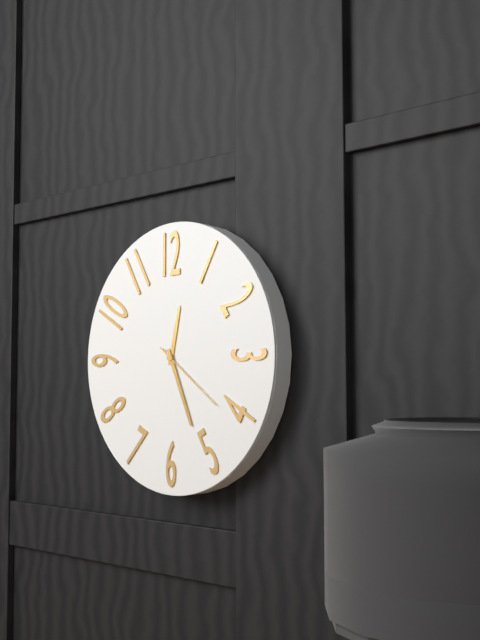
12.26.21
